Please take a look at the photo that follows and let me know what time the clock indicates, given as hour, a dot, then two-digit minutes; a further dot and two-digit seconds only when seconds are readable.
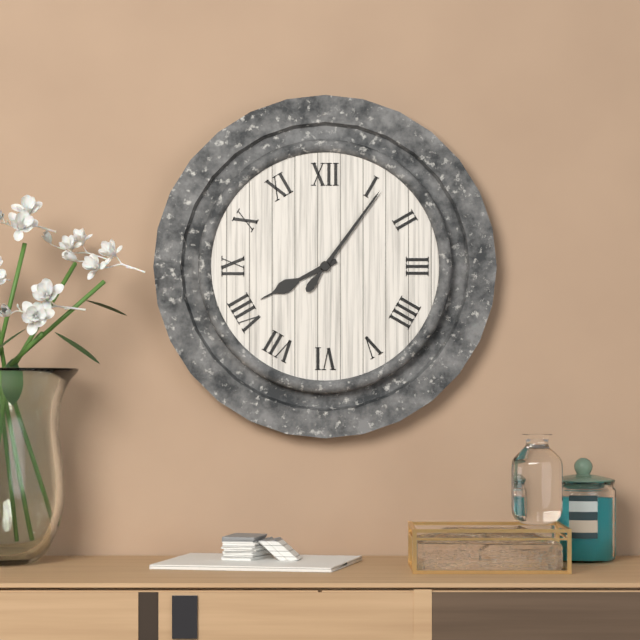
8.06
